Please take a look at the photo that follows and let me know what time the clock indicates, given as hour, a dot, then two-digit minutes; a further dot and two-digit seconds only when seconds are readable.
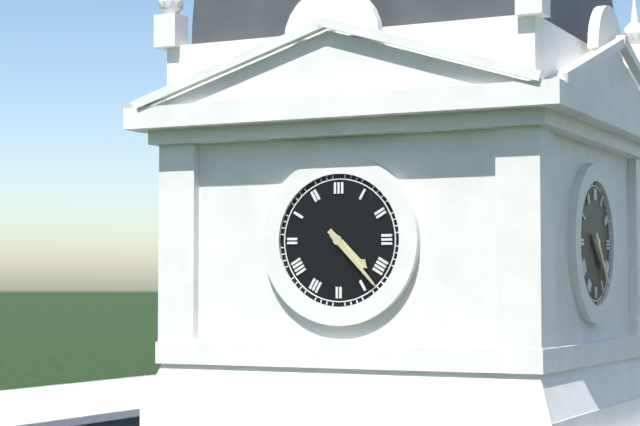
4.23
